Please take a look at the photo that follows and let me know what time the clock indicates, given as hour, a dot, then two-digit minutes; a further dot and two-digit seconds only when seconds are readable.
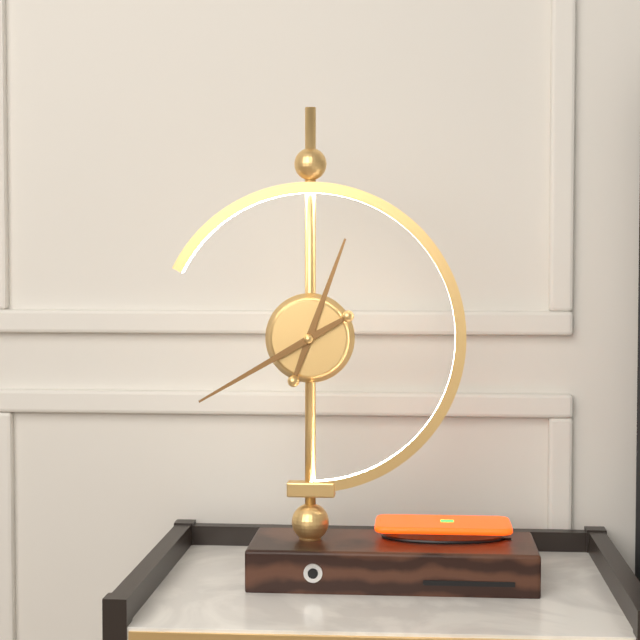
12.40
